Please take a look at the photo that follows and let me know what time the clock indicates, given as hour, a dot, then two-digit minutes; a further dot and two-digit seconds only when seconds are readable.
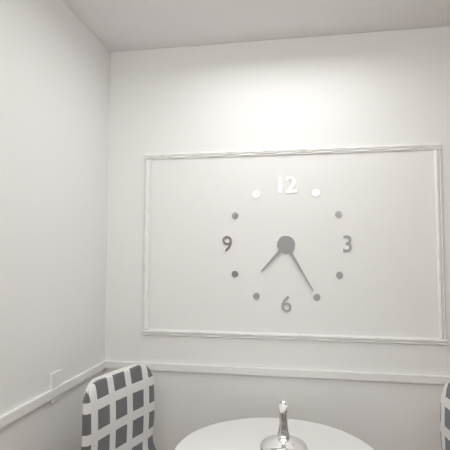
7.25
